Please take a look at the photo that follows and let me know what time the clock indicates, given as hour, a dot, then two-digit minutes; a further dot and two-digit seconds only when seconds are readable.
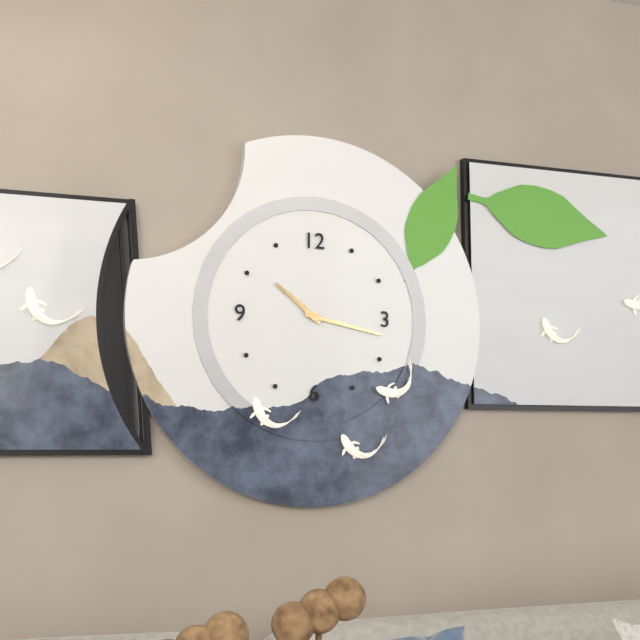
10.17
